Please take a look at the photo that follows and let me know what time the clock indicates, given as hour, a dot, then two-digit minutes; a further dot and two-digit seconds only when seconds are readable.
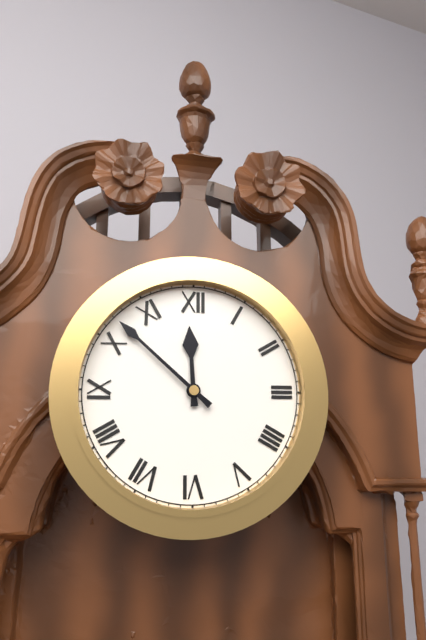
11.52
